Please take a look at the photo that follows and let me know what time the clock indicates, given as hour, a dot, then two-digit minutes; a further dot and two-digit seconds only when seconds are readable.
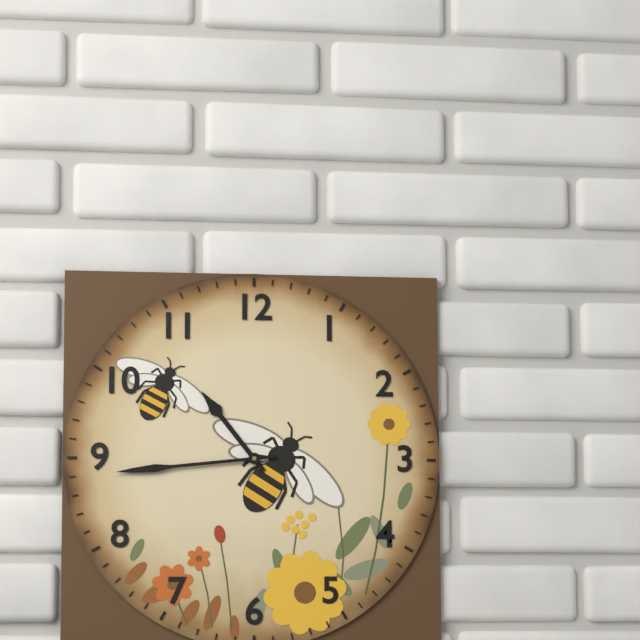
10.44
